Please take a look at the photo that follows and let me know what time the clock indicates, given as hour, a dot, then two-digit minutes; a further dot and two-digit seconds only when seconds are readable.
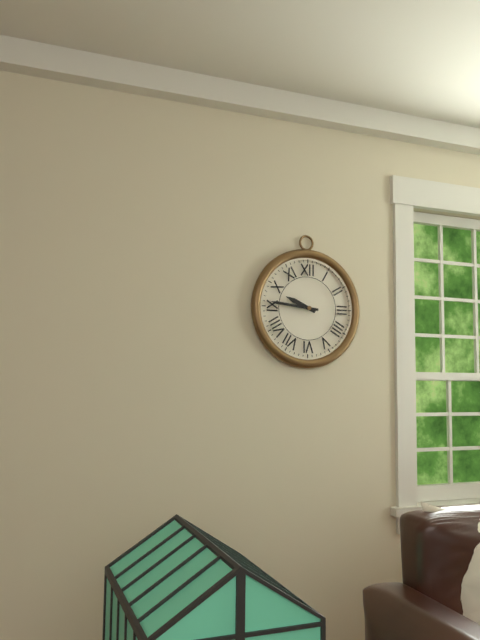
9.46
